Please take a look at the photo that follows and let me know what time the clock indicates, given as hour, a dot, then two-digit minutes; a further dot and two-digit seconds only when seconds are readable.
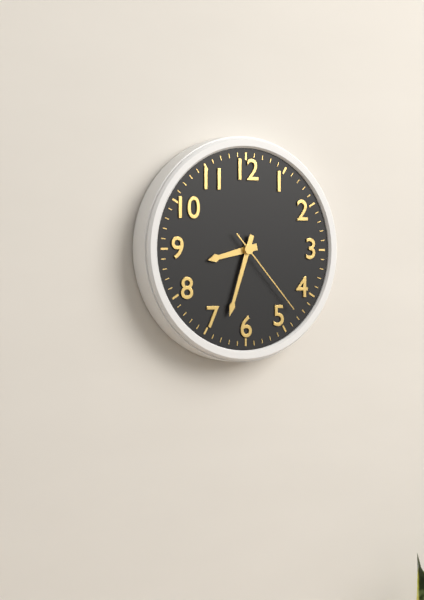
8.33.23
